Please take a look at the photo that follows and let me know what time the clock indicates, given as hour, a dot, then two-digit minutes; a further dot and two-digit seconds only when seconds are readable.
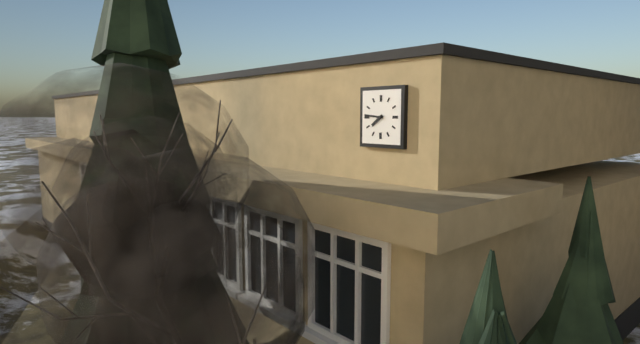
7.46
